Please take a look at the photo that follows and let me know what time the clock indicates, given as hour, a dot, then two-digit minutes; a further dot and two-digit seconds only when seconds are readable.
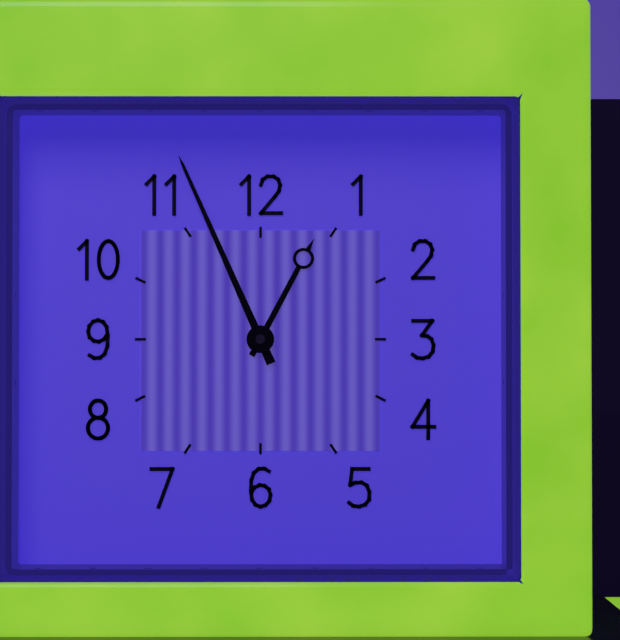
12.56
